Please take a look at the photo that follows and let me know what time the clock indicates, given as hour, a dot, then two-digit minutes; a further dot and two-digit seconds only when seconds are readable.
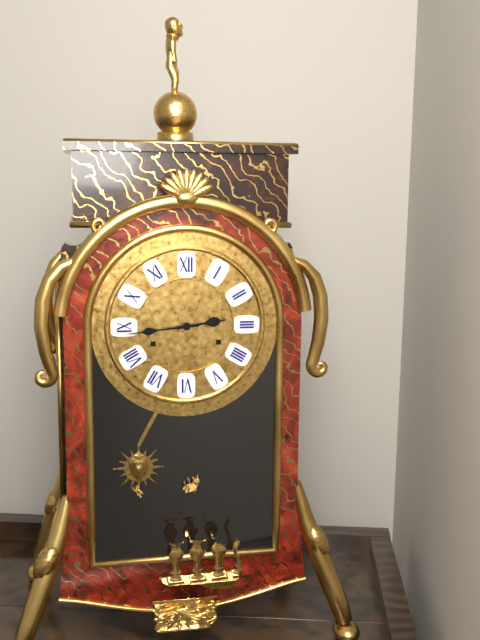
2.44
